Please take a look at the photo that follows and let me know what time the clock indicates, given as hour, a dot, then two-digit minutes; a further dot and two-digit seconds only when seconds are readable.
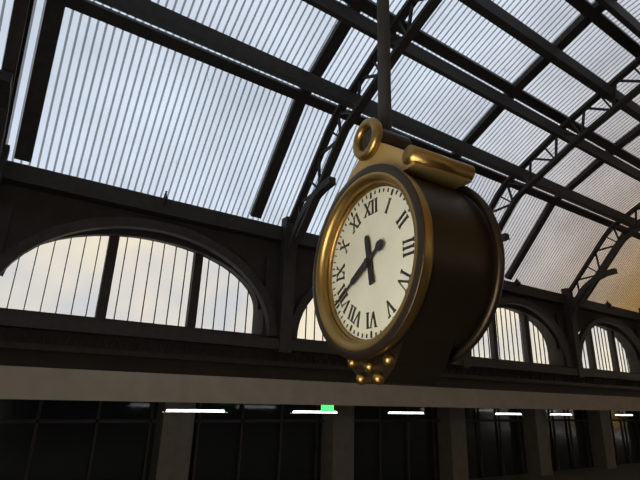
11.40
